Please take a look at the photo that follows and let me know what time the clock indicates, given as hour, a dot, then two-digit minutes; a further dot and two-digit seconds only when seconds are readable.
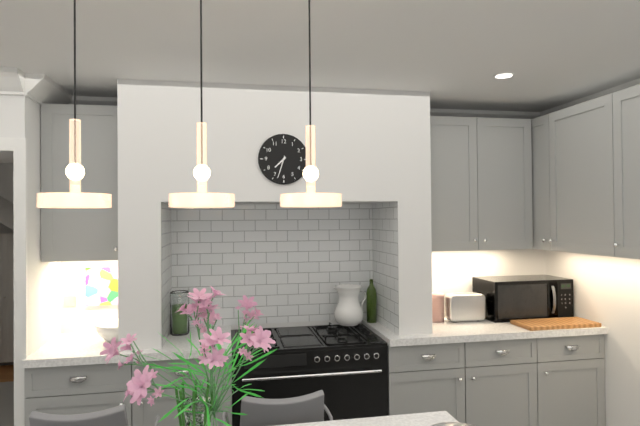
7.33
